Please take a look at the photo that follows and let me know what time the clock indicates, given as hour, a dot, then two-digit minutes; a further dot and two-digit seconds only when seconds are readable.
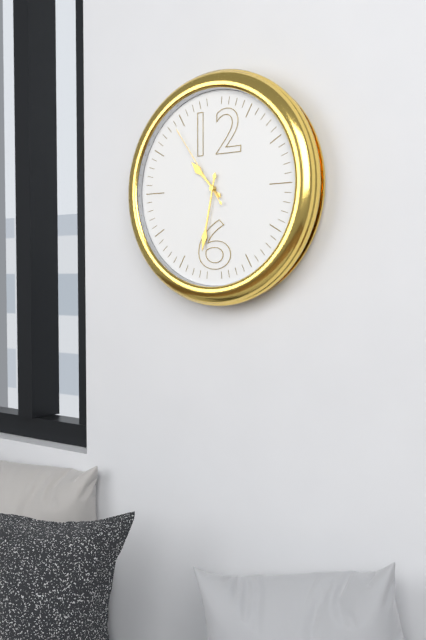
10.32.54
